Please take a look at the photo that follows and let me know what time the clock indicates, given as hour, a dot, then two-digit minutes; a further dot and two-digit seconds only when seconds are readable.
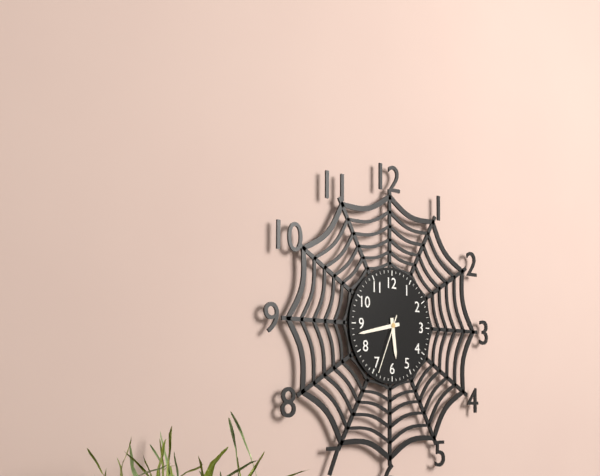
5.43.34
